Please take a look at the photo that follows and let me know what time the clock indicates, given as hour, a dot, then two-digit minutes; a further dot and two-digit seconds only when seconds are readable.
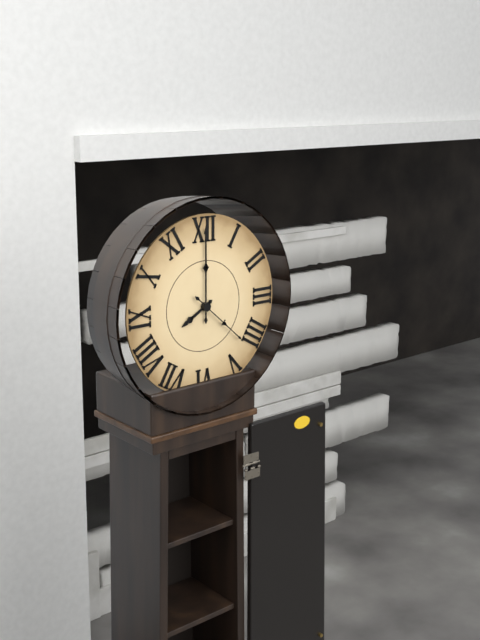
8.00.22
